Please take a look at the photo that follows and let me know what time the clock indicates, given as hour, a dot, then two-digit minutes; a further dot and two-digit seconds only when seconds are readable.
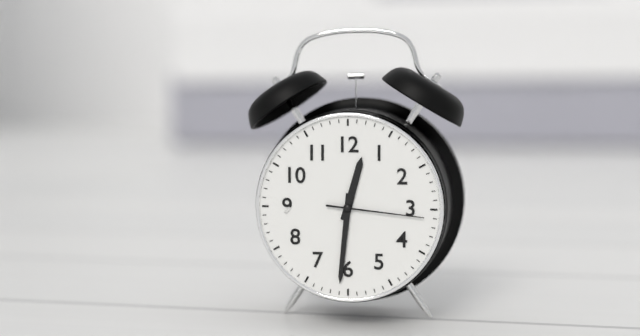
12.31.16
